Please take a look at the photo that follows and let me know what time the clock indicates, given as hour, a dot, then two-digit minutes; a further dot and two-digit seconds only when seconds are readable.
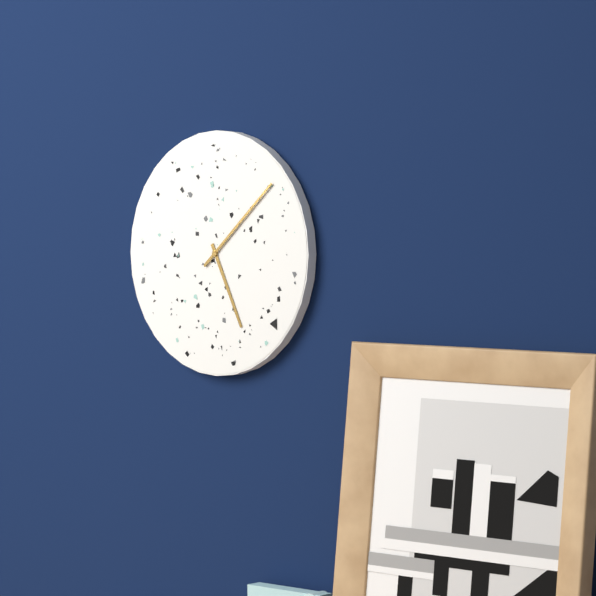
5.08
